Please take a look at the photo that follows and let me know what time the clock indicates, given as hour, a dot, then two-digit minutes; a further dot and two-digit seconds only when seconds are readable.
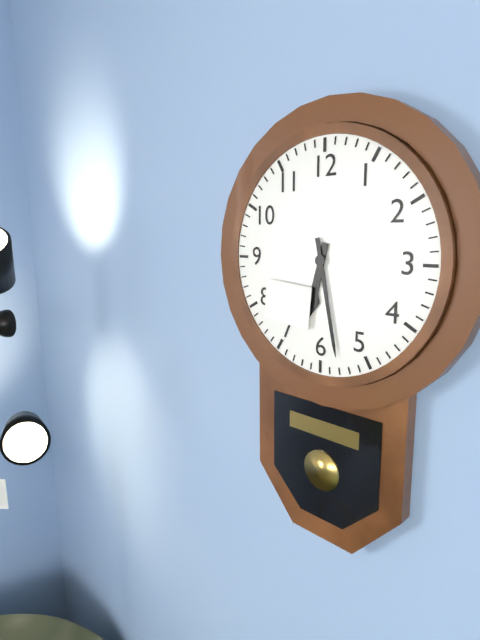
6.28
